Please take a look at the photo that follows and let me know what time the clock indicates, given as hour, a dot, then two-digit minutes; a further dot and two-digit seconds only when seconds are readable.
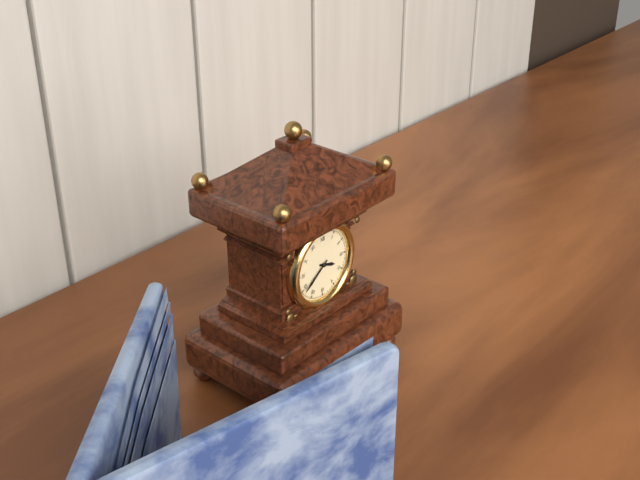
3.39
